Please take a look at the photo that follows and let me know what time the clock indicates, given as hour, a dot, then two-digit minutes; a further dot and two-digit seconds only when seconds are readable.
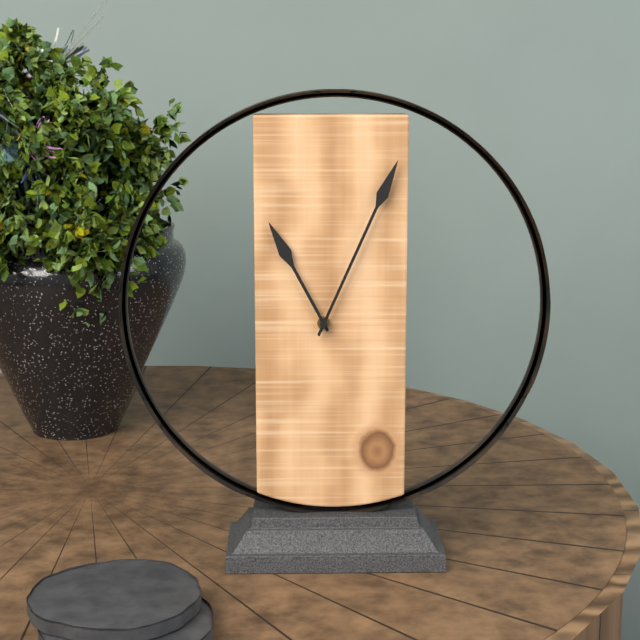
11.04
